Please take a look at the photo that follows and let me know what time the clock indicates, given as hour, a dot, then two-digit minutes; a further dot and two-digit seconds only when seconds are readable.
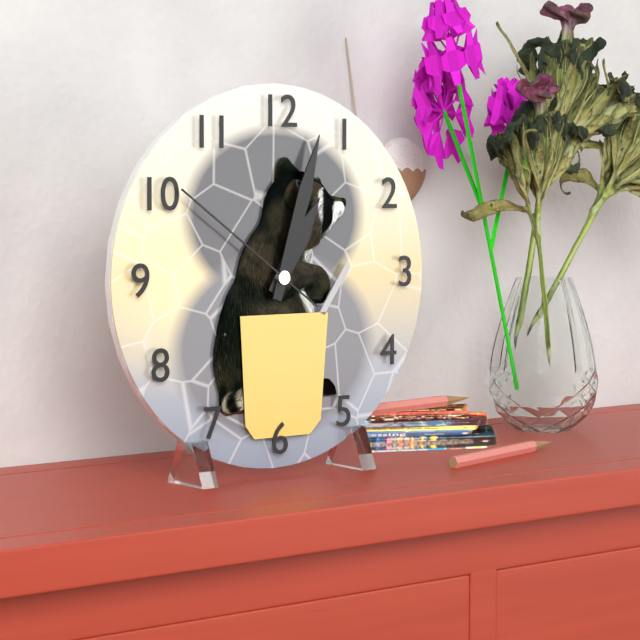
1.03.51
